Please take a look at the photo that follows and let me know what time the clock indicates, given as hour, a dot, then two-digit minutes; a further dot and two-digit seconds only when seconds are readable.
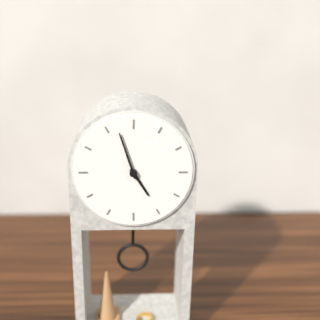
4.57
